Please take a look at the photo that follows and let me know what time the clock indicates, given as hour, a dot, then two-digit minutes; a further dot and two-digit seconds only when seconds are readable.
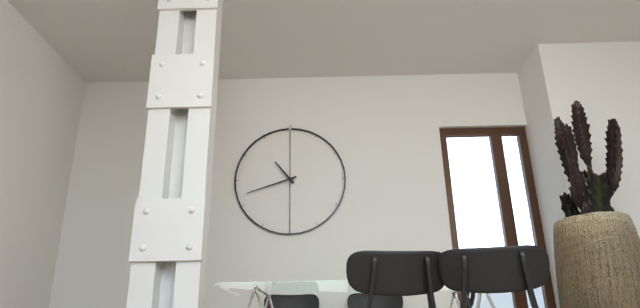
10.42
